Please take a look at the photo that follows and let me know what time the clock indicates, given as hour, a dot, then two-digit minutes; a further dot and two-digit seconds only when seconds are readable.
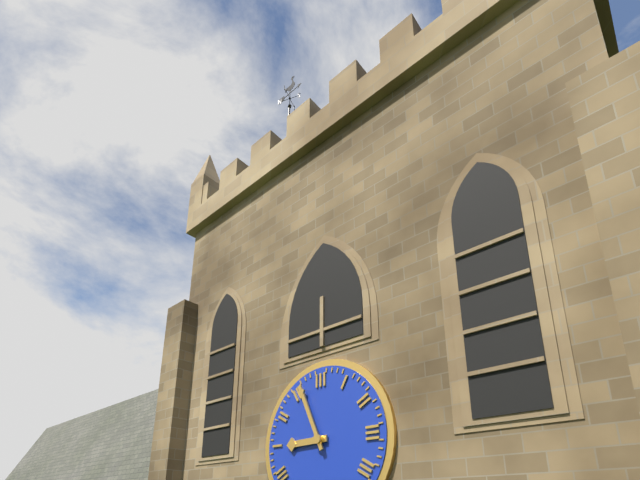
8.56
